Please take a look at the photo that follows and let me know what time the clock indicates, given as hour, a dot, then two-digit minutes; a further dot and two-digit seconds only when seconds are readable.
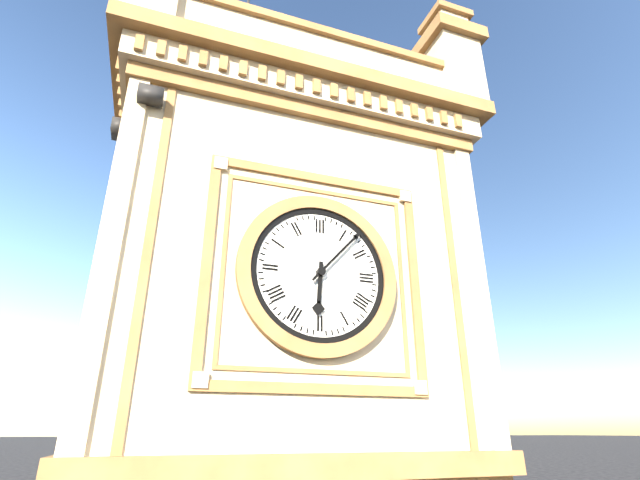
6.07
